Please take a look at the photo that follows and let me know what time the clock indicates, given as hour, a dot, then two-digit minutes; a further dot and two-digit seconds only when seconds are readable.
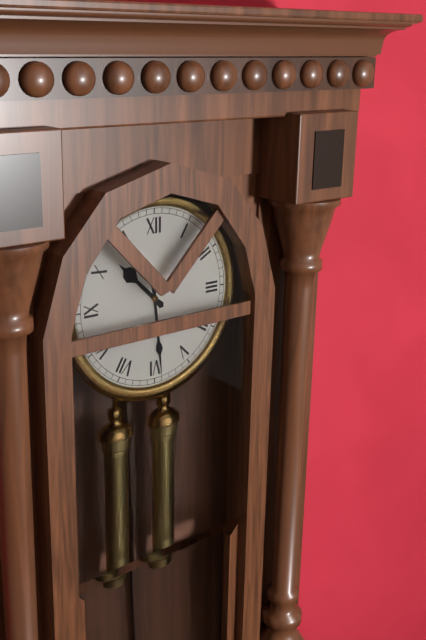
10.29
